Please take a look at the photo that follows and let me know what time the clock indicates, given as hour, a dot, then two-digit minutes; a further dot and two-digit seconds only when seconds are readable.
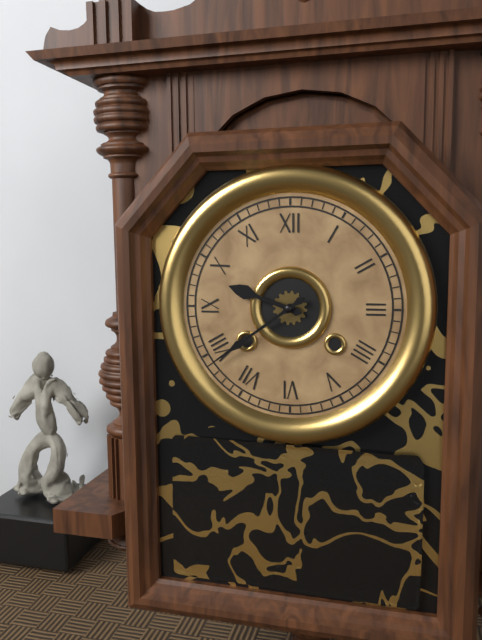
9.39
